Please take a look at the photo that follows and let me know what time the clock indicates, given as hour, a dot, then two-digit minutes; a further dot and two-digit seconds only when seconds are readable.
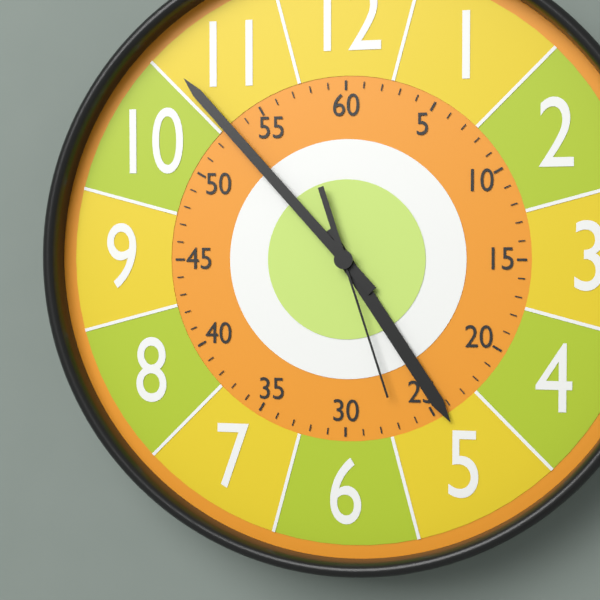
4.53.27
